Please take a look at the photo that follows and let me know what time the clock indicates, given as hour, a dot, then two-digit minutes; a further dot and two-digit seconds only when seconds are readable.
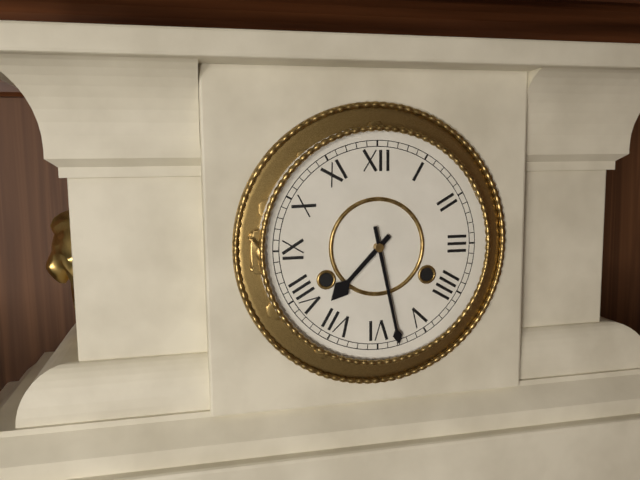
7.28
